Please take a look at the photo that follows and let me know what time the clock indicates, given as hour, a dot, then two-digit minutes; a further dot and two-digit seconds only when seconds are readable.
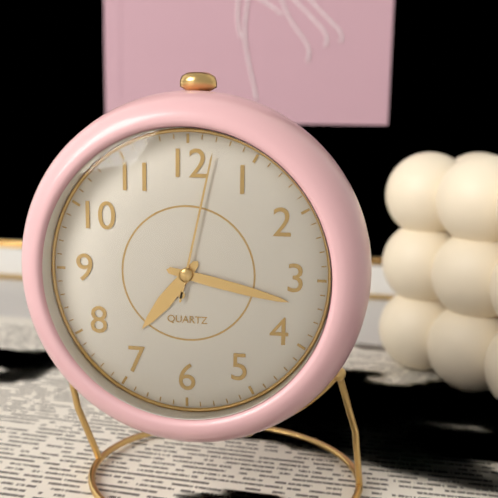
7.17.02
